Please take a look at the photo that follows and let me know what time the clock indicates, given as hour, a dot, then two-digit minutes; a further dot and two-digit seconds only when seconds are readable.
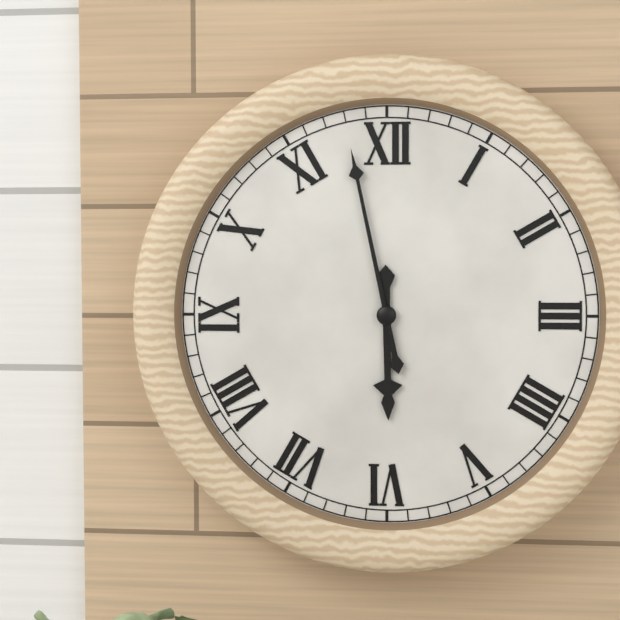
5.58
